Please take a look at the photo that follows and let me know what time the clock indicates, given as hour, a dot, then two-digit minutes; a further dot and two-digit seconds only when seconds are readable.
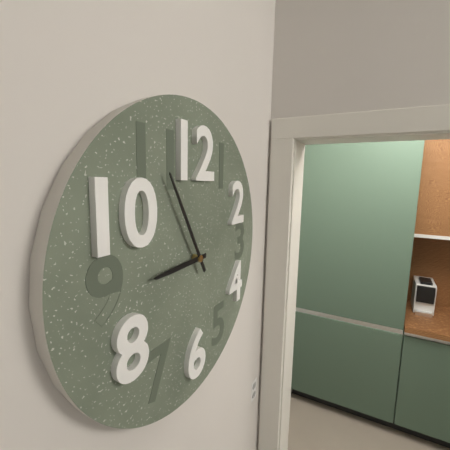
8.55
